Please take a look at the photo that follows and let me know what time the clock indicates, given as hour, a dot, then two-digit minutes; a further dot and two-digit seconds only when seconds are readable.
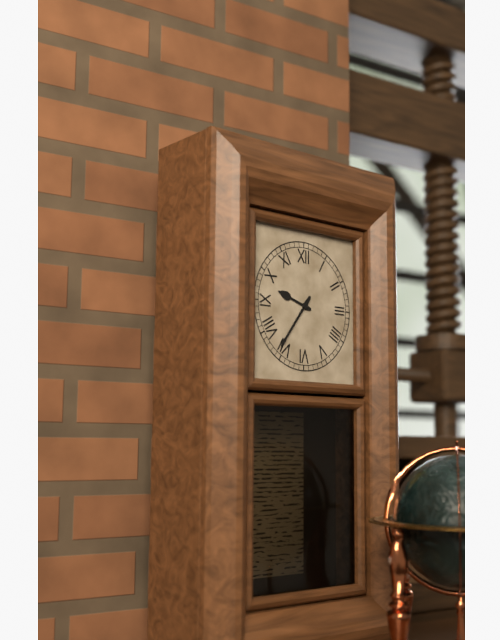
9.36
